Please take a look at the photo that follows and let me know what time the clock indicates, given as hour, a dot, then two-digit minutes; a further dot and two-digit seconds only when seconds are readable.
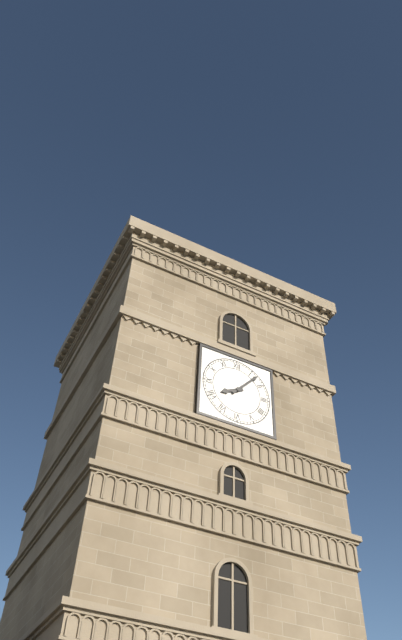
8.07
